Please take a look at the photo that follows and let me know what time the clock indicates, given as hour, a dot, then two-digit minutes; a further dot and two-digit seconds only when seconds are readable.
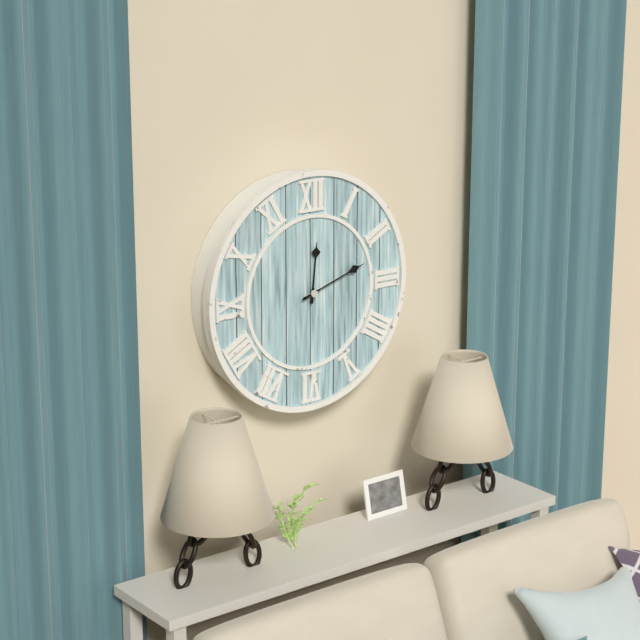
12.12
